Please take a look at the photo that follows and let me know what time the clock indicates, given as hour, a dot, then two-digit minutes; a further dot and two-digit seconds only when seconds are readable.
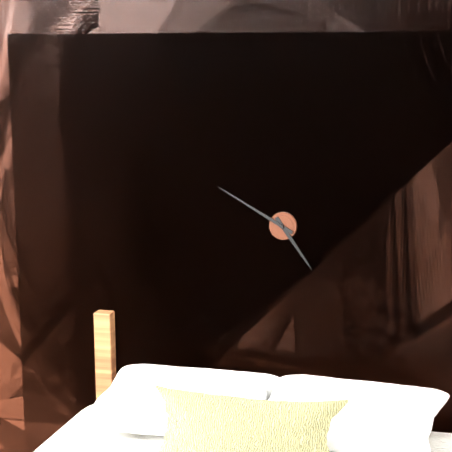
4.50
